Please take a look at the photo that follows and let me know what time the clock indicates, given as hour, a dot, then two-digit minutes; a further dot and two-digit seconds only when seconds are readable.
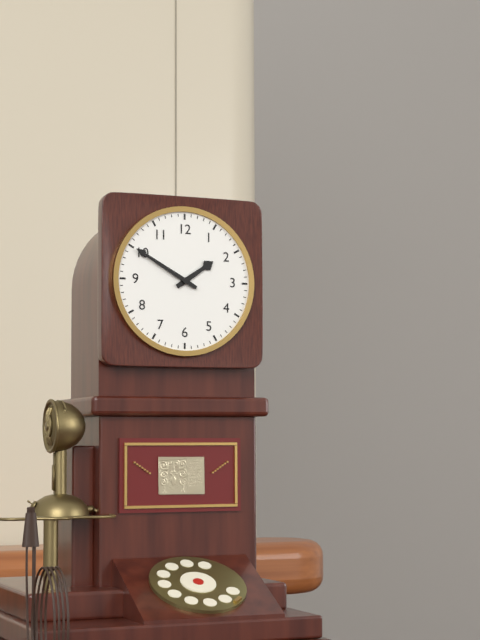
1.50
